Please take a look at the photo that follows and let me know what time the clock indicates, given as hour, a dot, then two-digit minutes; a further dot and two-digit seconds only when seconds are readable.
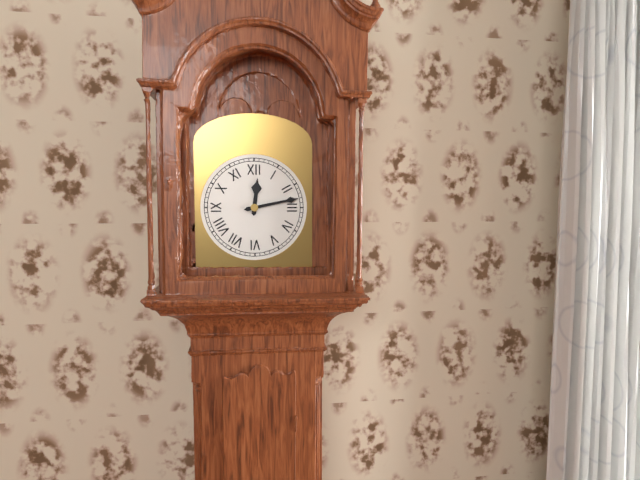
12.13
